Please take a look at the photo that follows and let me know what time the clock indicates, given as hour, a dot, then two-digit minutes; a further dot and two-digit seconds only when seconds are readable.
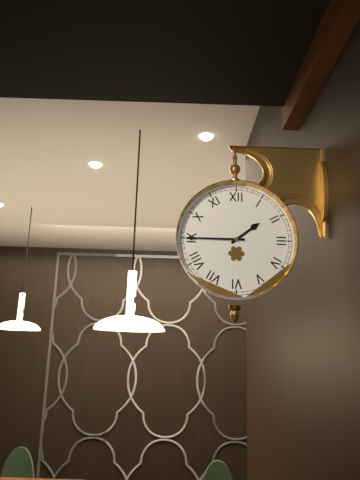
1.45
